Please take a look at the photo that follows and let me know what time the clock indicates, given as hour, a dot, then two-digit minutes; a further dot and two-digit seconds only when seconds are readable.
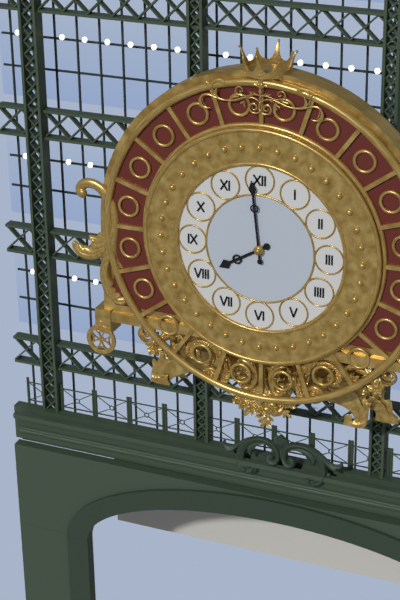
7.59
